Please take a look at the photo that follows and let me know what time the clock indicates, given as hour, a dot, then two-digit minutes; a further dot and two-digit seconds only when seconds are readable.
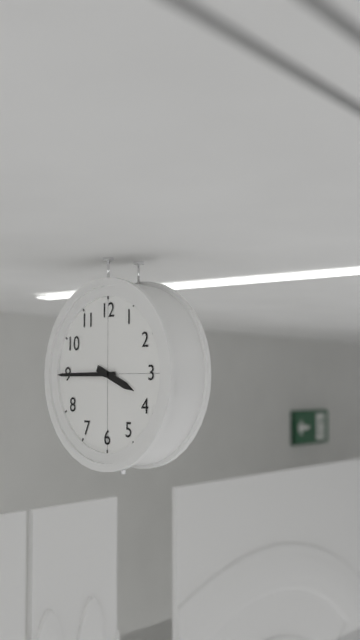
3.45
